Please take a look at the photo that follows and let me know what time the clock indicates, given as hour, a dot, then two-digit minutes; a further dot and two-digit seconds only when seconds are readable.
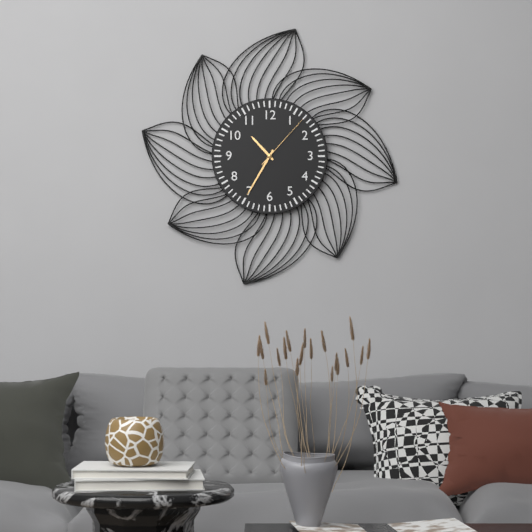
10.35.07
